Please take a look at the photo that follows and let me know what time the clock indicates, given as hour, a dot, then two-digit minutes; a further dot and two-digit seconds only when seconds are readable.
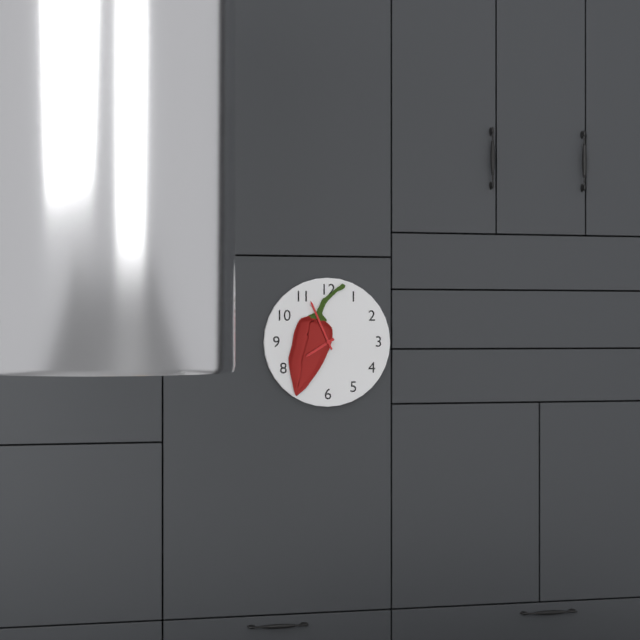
7.56
